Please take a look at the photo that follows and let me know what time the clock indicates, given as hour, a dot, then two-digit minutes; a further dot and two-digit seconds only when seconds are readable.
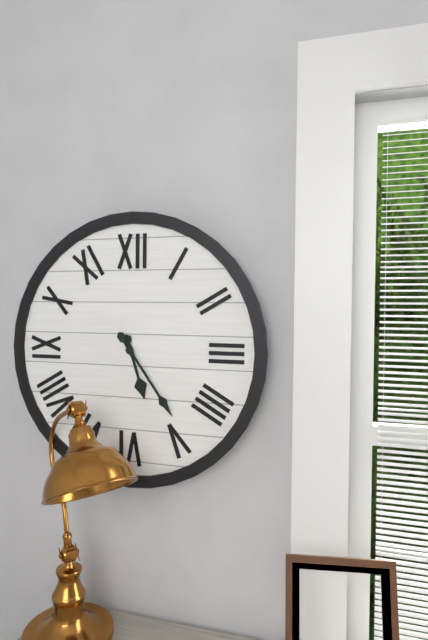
5.24
